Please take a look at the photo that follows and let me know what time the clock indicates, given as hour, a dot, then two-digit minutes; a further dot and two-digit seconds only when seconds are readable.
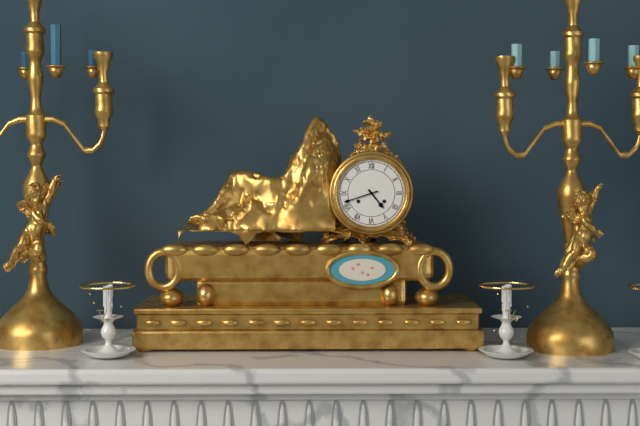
4.42
